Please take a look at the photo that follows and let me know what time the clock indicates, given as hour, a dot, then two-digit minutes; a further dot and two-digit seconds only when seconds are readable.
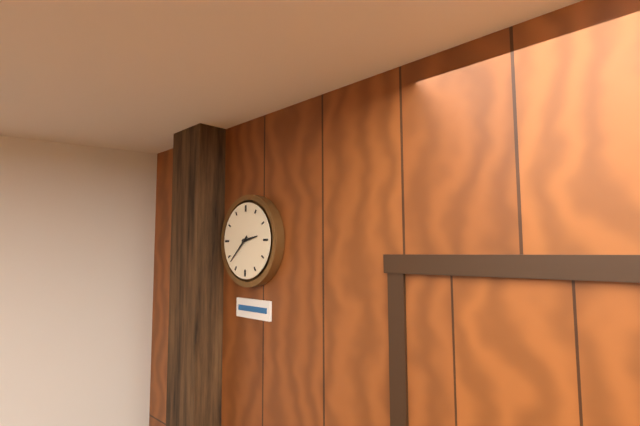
2.38
